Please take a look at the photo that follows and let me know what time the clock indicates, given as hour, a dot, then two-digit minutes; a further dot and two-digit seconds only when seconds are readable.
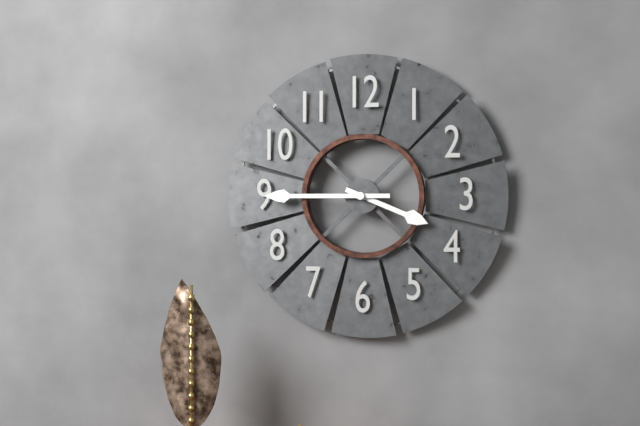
3.45
